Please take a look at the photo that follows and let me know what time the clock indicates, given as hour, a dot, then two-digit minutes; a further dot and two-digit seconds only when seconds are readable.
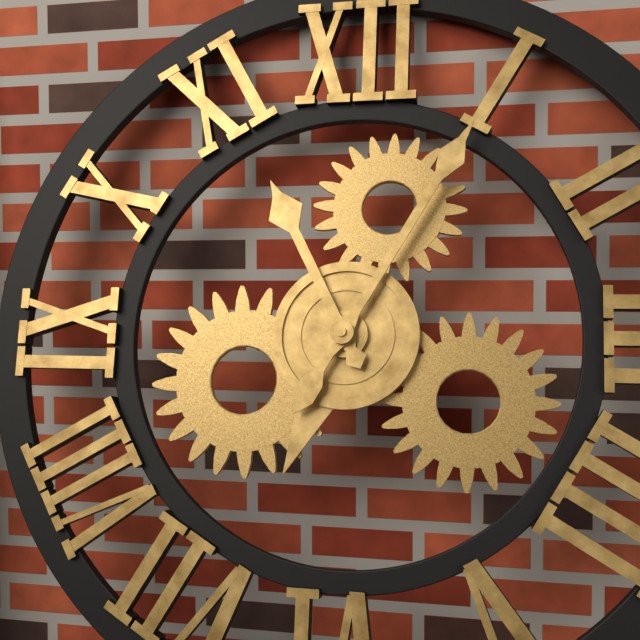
11.05
